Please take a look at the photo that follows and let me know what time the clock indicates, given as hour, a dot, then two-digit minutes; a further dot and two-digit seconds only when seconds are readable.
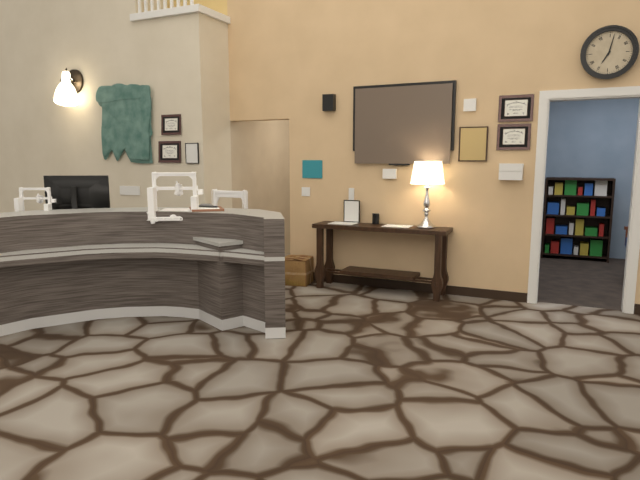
7.02
